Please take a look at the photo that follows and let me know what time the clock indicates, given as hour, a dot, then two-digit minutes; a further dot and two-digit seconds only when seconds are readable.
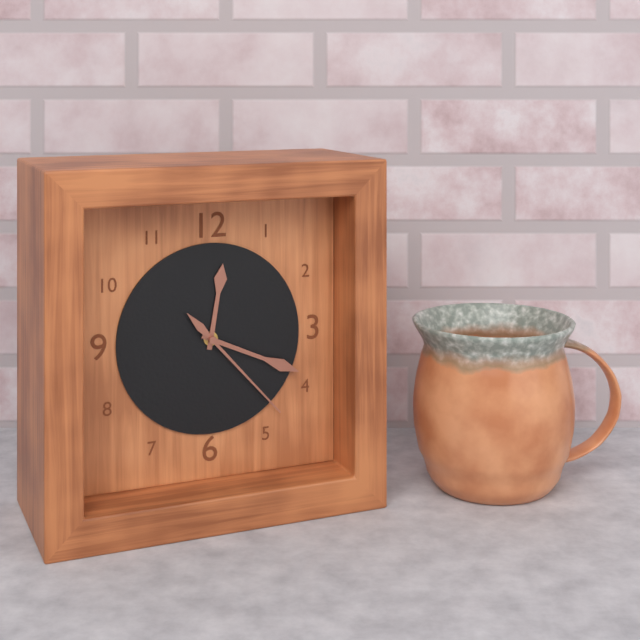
12.19.23
